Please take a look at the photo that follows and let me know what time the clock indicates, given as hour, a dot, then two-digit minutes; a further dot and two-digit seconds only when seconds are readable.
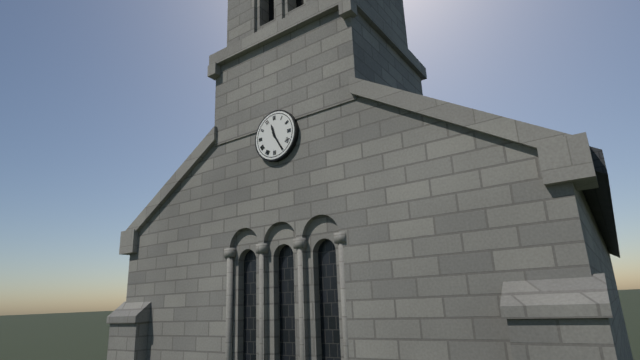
11.25
